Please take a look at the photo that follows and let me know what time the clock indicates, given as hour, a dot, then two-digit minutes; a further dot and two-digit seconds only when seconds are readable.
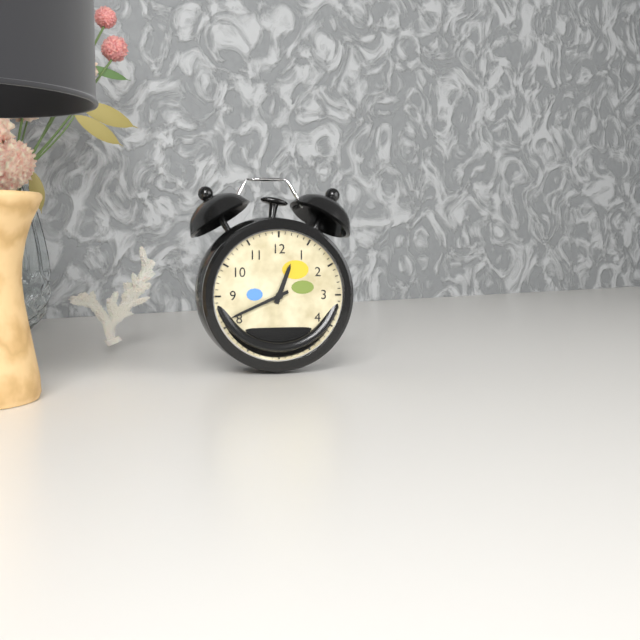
12.41
